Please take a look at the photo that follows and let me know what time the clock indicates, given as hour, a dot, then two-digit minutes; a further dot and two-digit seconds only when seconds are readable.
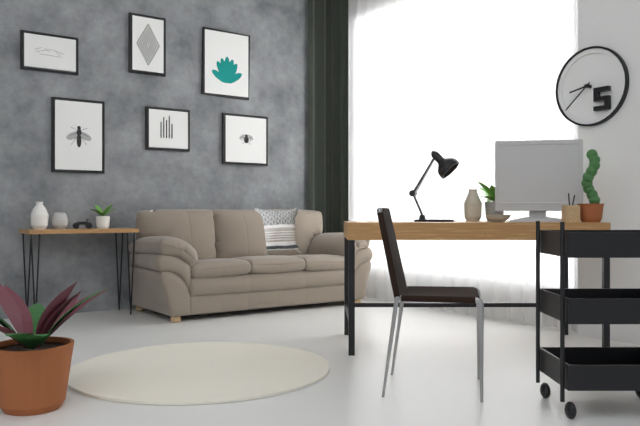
8.38
